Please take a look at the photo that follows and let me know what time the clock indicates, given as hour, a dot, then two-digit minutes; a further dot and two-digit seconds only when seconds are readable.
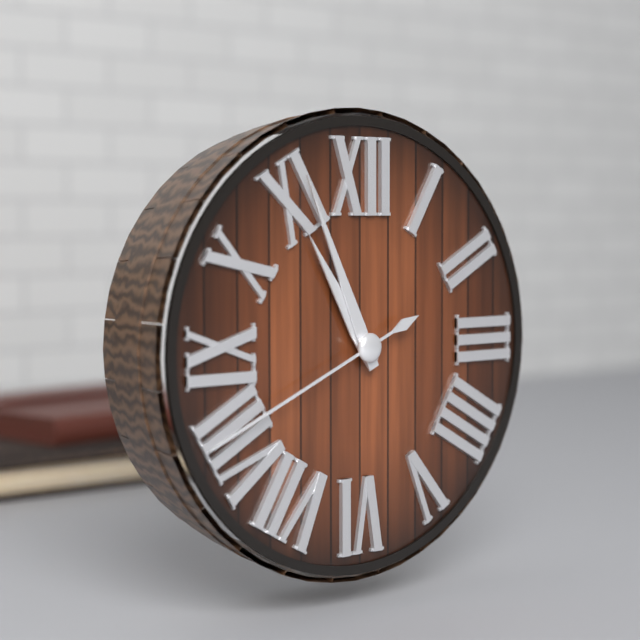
10.56.41
